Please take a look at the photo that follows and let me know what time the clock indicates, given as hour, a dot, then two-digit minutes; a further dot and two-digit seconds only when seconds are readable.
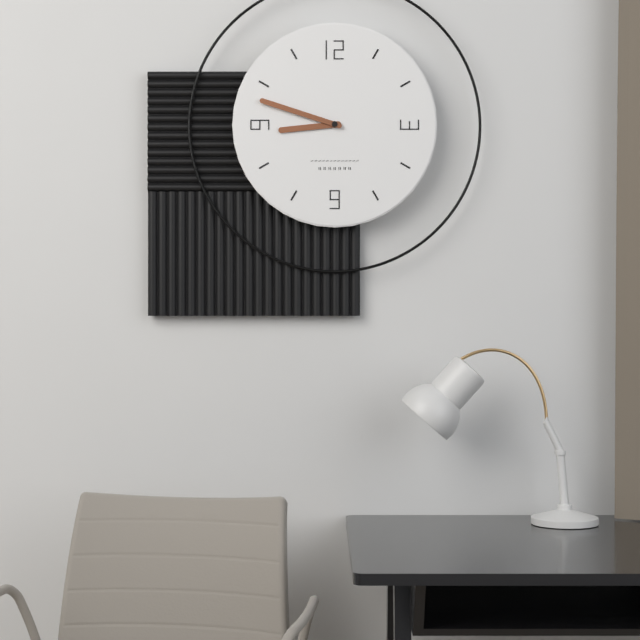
8.48
